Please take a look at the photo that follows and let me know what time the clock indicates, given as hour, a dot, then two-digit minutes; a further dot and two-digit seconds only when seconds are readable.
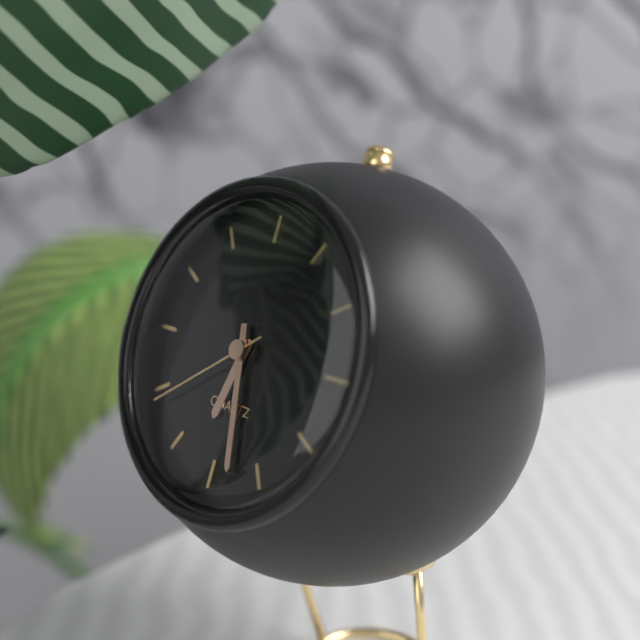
6.28.39
